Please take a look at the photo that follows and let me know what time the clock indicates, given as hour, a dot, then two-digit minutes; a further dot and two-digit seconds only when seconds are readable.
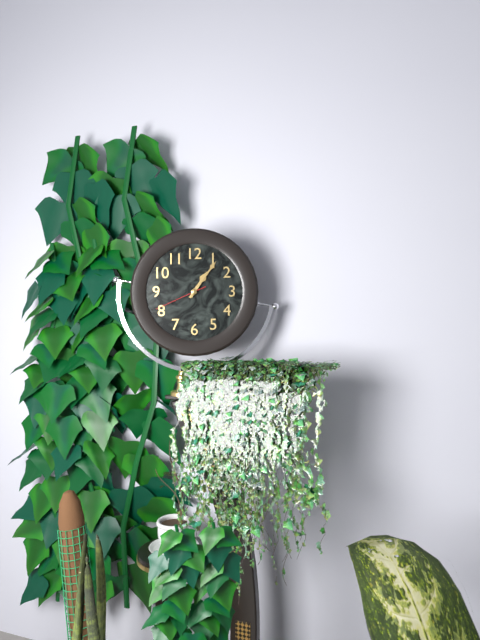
1.06.41
